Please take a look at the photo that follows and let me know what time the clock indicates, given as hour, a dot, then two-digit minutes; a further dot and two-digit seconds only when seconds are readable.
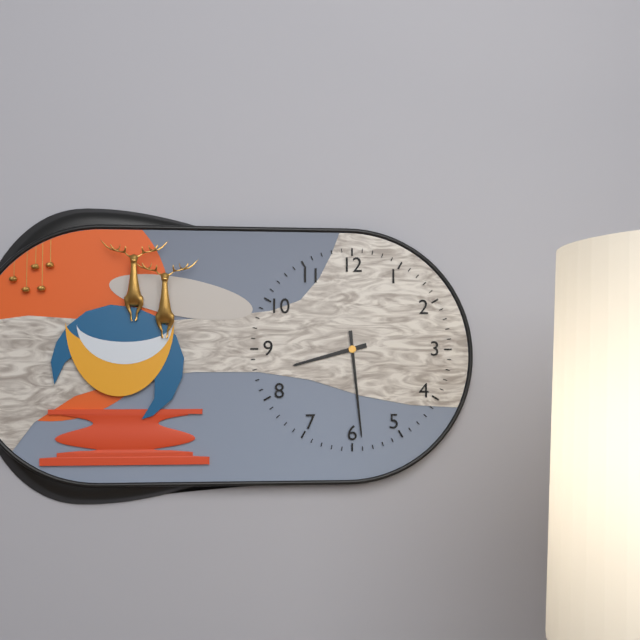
8.29
